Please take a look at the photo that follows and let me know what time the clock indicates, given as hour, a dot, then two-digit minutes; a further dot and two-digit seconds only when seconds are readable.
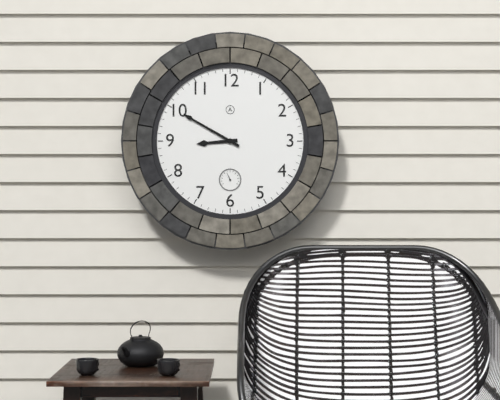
8.50
